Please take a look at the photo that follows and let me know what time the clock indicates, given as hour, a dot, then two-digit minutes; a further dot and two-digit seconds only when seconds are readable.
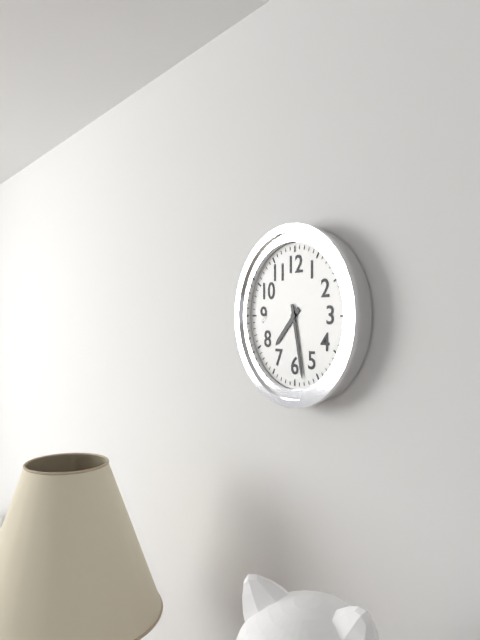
7.28
